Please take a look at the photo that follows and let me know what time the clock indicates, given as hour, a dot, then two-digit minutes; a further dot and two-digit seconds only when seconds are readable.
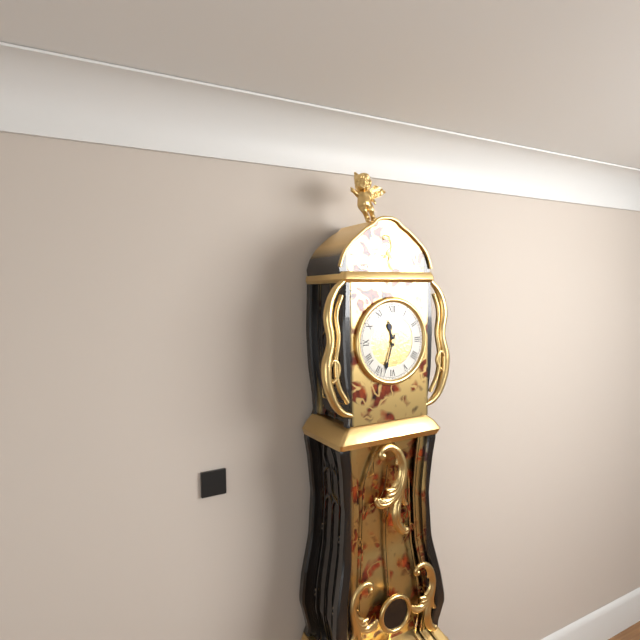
11.33
